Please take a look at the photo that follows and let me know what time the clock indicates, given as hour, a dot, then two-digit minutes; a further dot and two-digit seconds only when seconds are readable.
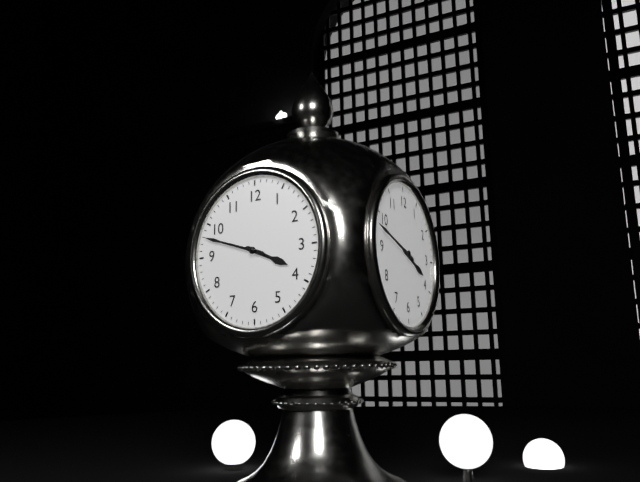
3.48
